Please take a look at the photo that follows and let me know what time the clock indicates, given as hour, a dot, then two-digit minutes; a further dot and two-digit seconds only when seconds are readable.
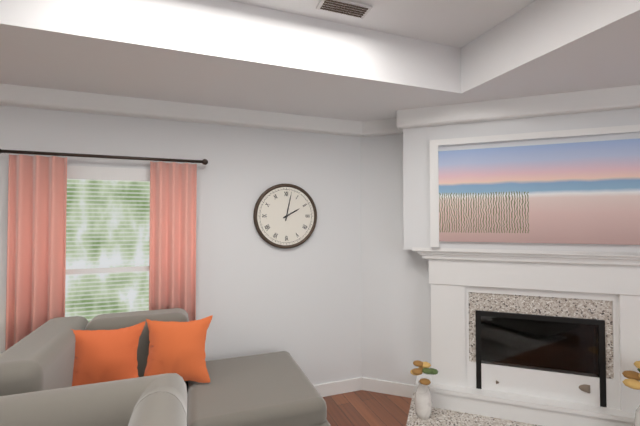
2.02
